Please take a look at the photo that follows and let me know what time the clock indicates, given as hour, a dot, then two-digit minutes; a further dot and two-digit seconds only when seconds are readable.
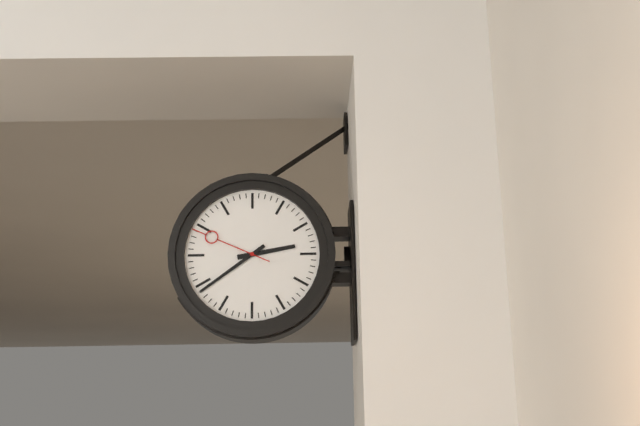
2.39.49
